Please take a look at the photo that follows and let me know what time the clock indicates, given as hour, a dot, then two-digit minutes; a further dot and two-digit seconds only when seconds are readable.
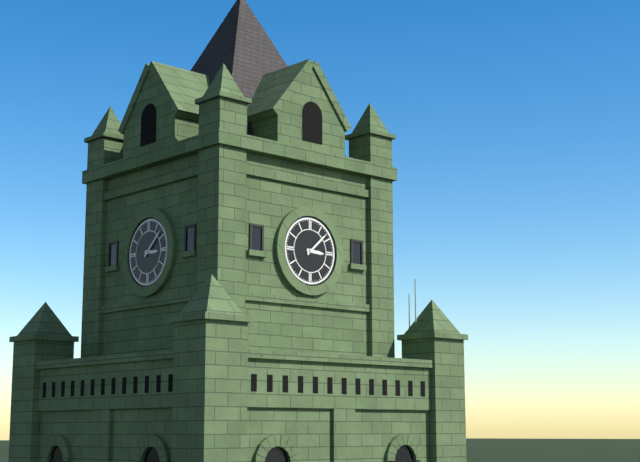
3.08
